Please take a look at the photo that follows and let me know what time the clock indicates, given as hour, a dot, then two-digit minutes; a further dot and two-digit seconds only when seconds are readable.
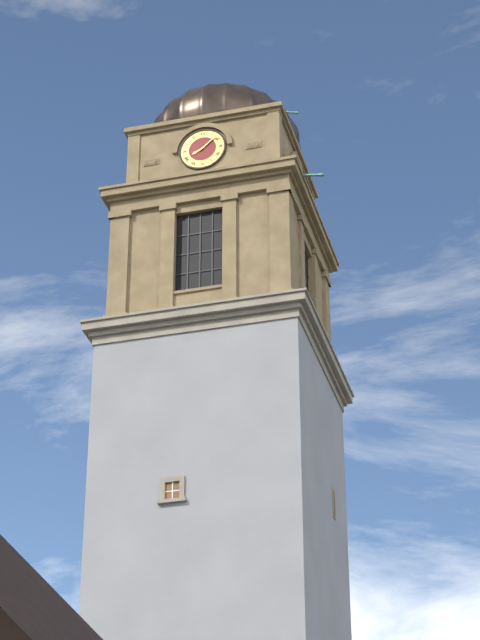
8.08
